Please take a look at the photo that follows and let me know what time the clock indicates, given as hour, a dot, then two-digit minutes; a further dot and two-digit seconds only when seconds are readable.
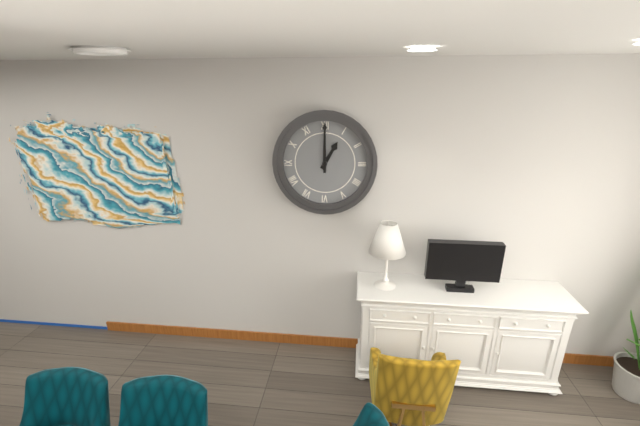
1.00
